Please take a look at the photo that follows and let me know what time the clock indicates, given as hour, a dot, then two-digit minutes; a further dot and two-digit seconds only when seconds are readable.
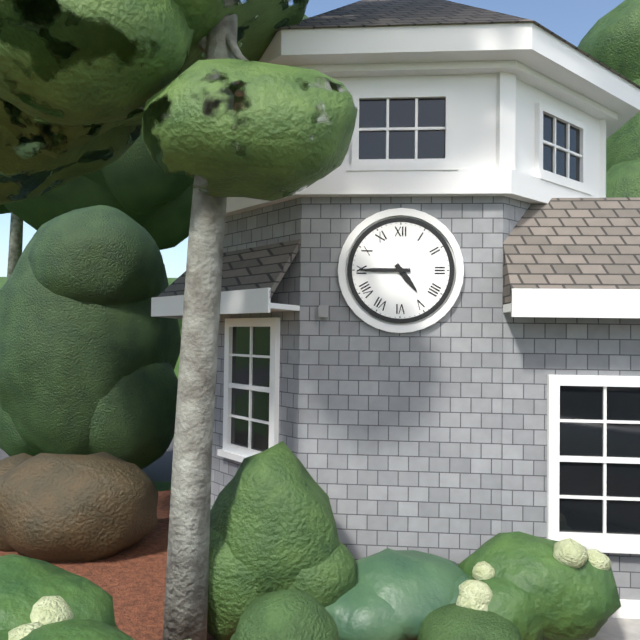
4.45
